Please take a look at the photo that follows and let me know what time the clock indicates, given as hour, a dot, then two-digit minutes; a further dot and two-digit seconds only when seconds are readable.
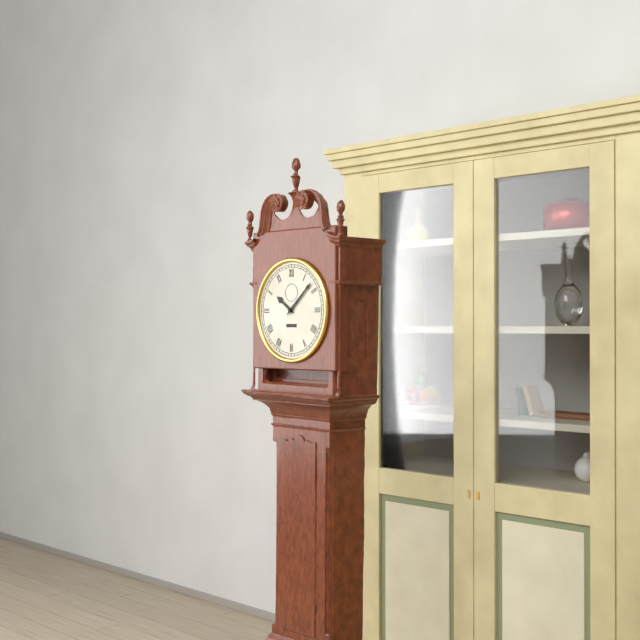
10.08
